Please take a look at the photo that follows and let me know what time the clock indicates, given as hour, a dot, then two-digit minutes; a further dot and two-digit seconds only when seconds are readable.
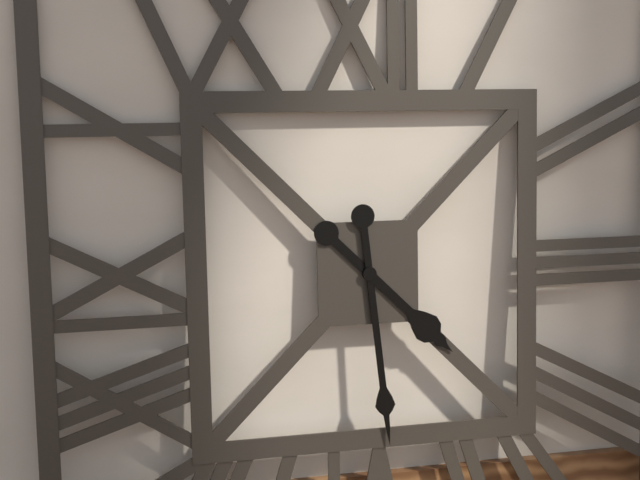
4.29
